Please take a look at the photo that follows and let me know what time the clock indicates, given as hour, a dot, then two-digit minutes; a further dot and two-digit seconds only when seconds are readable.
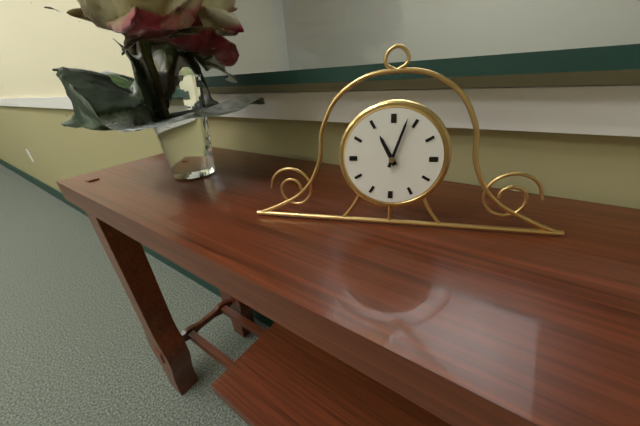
11.03
